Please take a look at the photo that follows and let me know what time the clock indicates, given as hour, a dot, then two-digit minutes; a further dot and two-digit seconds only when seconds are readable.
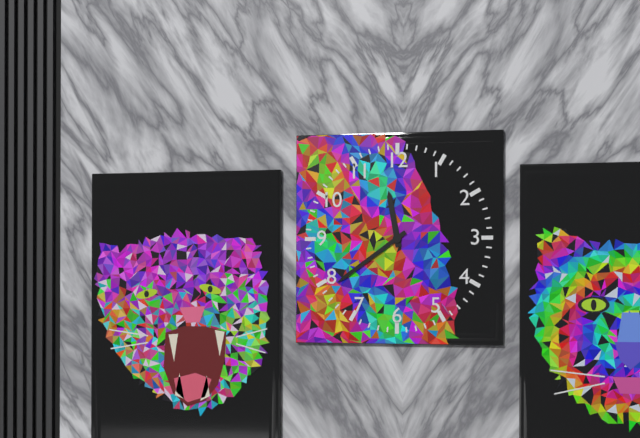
11.39
